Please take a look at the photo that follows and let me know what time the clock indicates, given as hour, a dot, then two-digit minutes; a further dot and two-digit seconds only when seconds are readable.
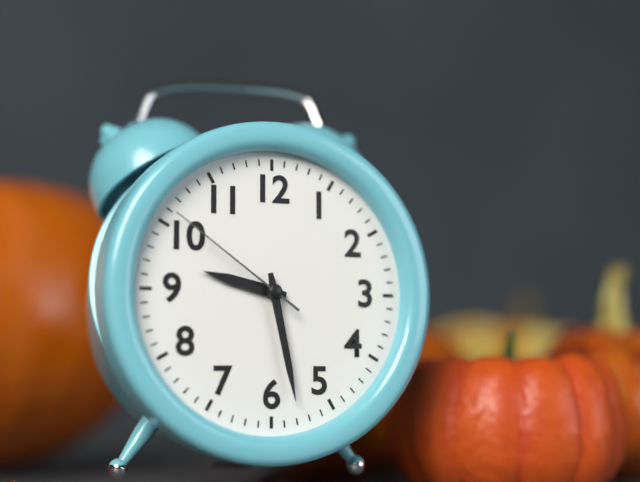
9.28.51
